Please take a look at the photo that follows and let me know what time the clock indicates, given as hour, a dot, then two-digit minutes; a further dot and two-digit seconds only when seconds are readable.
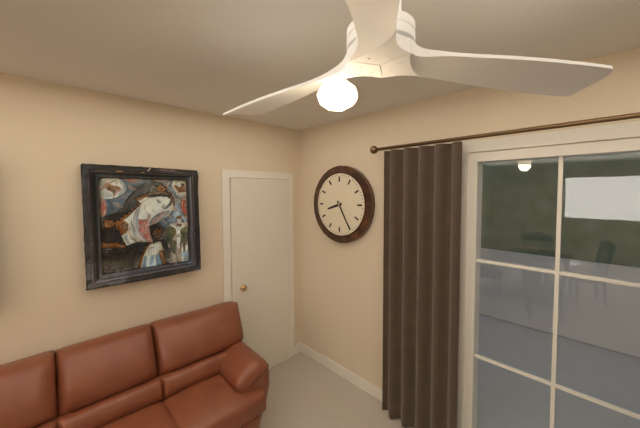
8.25
